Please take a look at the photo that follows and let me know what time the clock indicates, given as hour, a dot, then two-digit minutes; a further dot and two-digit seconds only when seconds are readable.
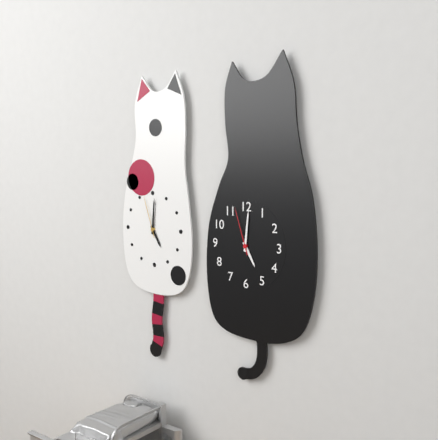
5.01.57
